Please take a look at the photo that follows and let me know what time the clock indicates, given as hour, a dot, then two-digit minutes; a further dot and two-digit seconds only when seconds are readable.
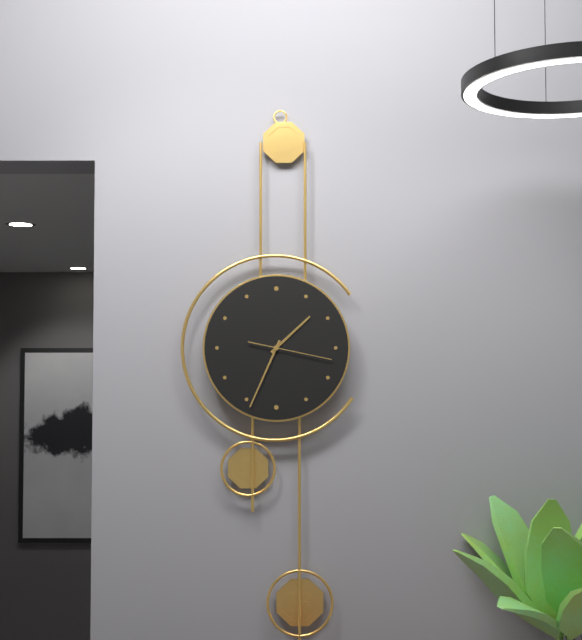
1.34.17
